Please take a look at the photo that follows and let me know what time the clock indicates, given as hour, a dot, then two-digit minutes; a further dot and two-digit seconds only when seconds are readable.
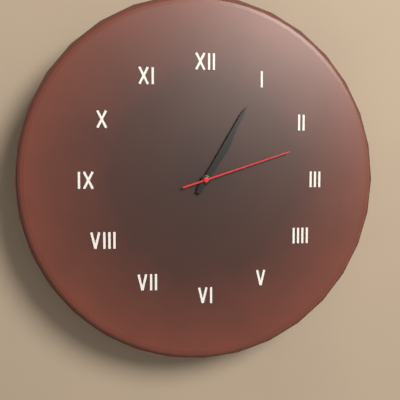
1.05.12
